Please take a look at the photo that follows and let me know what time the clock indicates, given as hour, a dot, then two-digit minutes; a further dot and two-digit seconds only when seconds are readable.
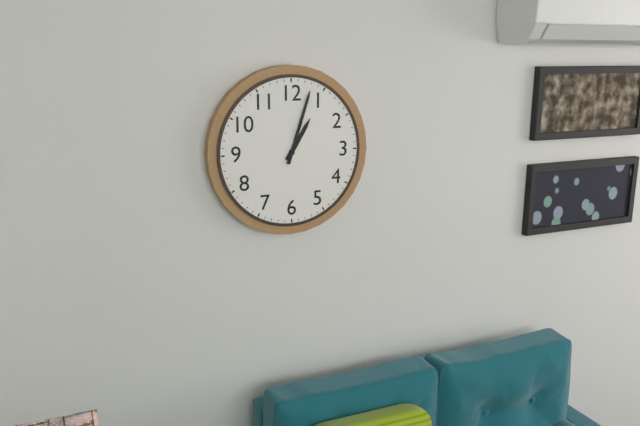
1.03
